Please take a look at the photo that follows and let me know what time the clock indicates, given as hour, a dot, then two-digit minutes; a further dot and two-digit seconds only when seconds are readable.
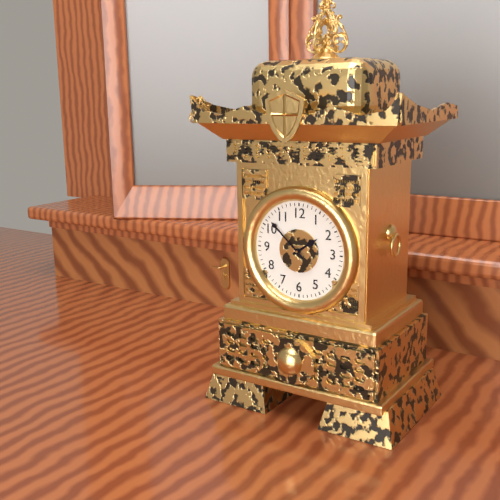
1.52
